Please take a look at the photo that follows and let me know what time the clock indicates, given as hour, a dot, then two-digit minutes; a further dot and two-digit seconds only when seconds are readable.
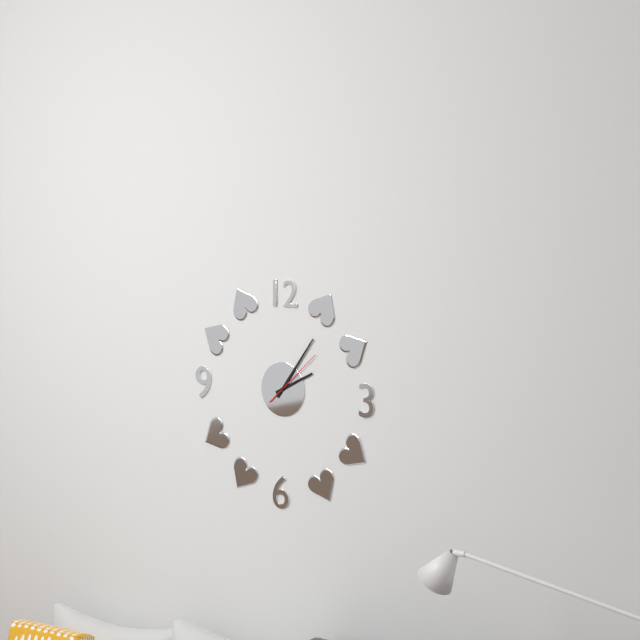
2.06.08
